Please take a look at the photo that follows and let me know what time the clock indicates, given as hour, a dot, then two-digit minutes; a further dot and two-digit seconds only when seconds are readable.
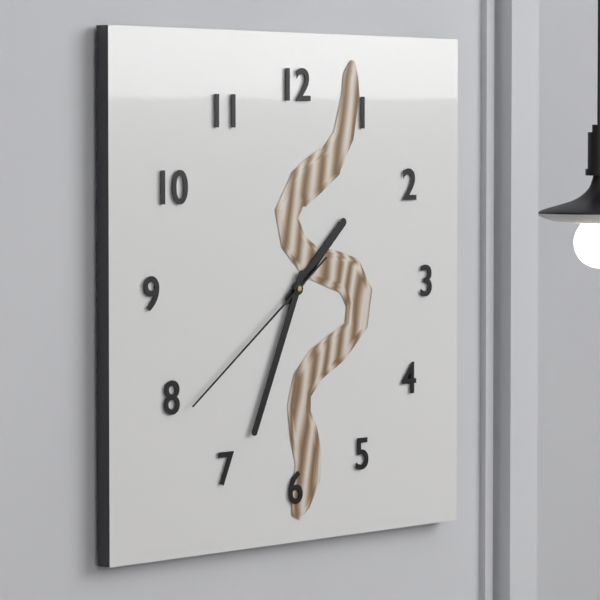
1.34.39
